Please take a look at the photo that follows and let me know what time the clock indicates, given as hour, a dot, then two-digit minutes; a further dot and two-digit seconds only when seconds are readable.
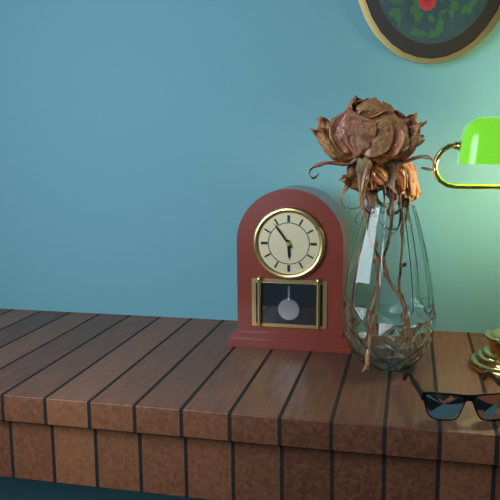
5.54
